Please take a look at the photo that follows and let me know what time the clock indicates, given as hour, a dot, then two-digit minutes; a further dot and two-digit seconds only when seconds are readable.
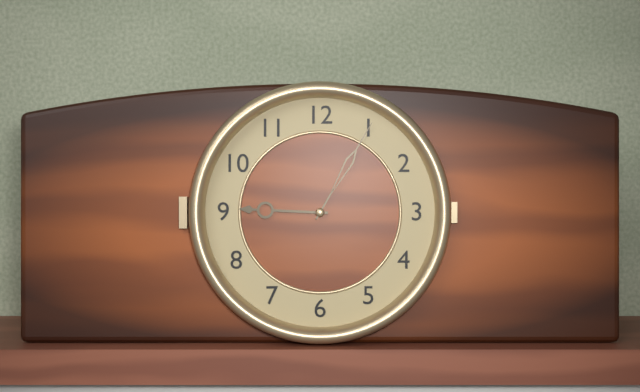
9.05
